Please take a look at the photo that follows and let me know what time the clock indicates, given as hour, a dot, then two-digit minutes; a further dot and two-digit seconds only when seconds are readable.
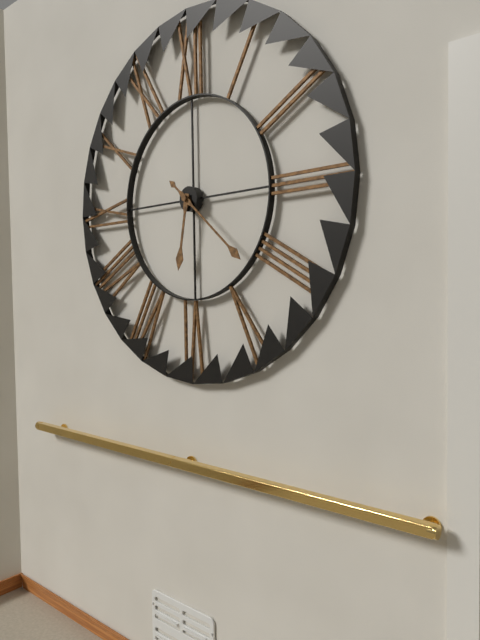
6.22
